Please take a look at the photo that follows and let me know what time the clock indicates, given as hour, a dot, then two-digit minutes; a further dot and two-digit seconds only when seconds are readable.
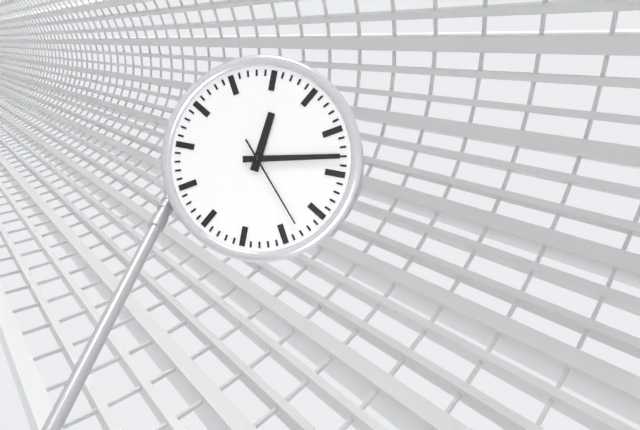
12.13.23
